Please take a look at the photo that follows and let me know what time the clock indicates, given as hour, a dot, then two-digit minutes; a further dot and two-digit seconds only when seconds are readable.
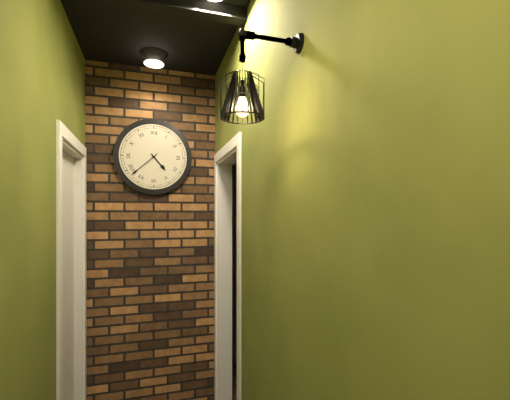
4.38
